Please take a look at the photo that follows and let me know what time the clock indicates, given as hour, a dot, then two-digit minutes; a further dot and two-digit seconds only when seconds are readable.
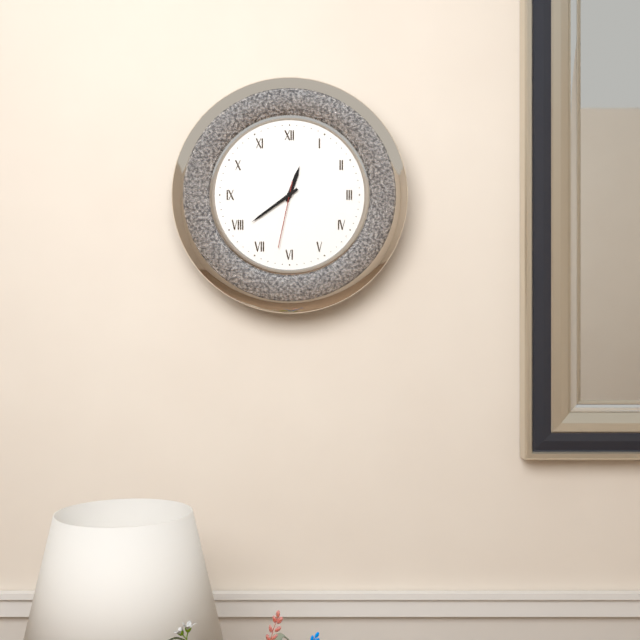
12.39.32
